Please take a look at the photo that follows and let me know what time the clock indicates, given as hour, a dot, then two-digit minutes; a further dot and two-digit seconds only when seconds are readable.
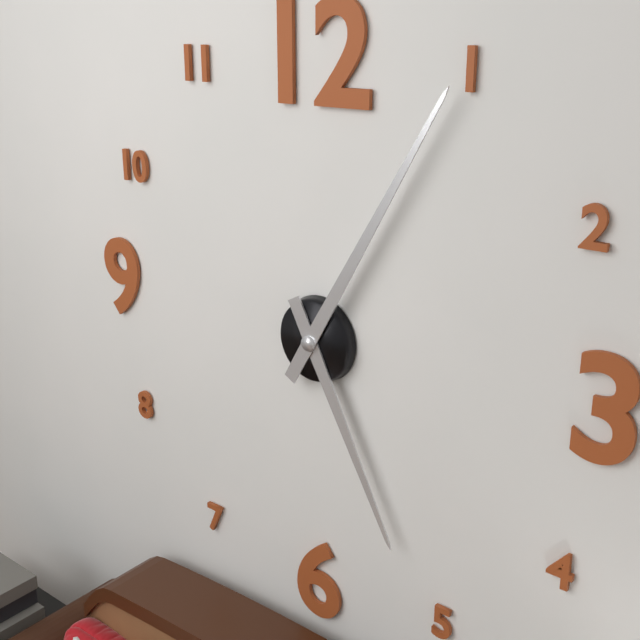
5.05
